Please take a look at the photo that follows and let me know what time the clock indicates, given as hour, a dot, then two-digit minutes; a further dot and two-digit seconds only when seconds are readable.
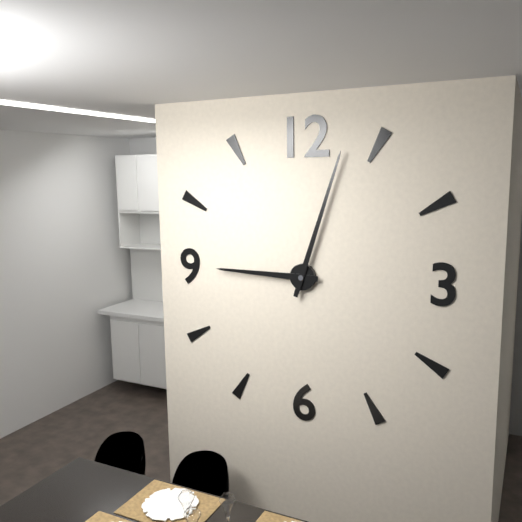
9.03
